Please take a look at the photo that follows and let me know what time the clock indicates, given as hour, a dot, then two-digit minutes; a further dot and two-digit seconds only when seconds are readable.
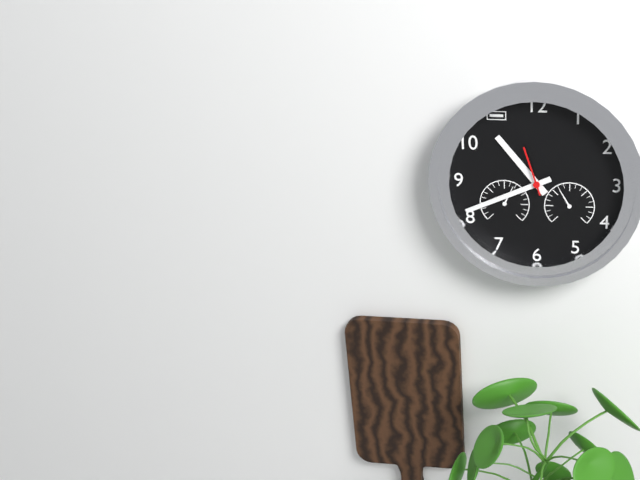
10.41
